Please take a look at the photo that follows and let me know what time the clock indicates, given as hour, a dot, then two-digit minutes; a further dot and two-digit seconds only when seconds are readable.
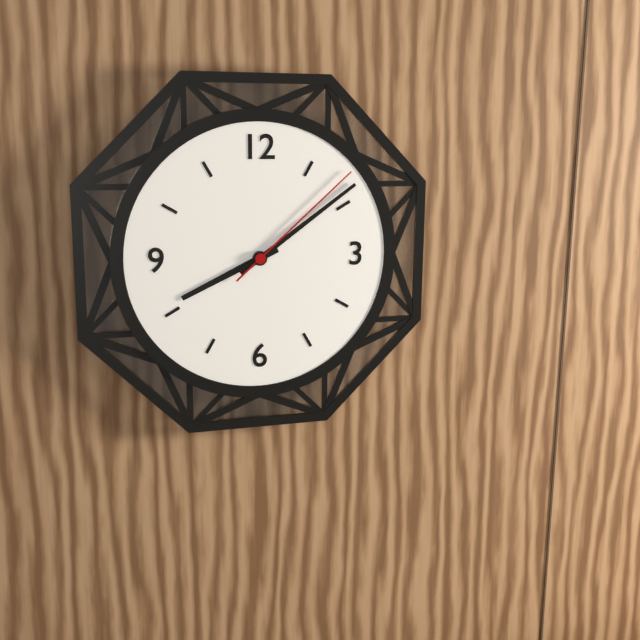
8.09.08
